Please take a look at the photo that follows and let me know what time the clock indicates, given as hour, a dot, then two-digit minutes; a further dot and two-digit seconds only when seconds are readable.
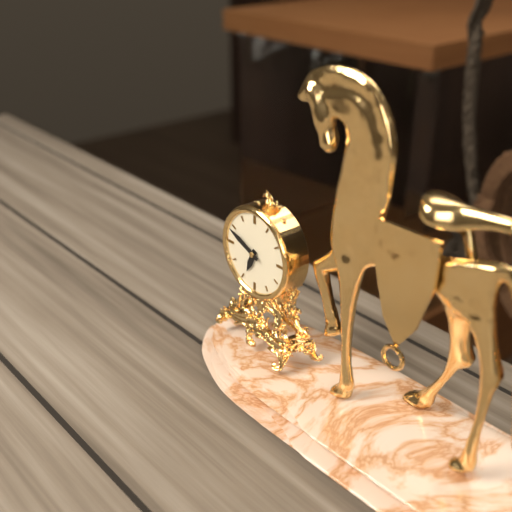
6.49
